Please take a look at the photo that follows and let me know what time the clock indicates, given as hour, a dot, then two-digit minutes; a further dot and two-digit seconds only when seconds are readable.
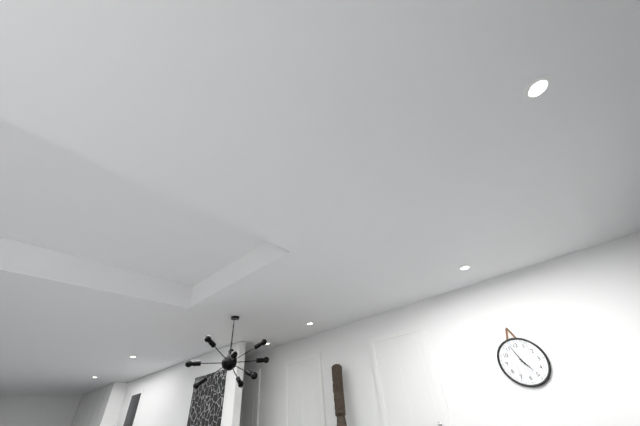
4.57
